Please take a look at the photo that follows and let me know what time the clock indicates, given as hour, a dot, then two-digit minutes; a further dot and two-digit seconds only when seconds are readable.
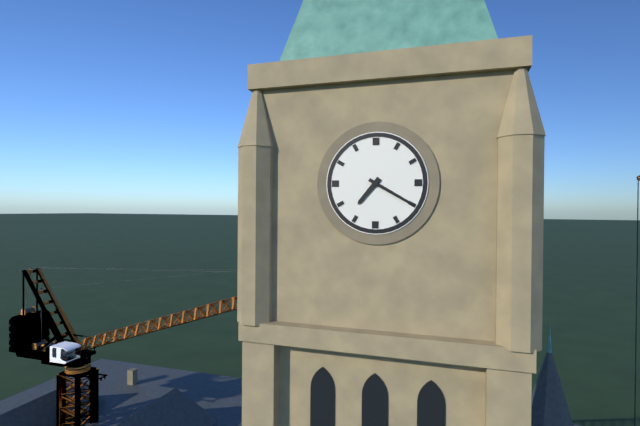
7.20
